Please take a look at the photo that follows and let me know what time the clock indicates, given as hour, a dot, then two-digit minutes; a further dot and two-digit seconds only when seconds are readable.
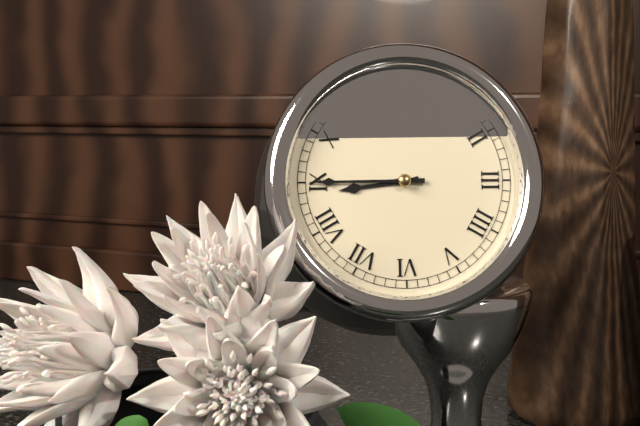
8.45
